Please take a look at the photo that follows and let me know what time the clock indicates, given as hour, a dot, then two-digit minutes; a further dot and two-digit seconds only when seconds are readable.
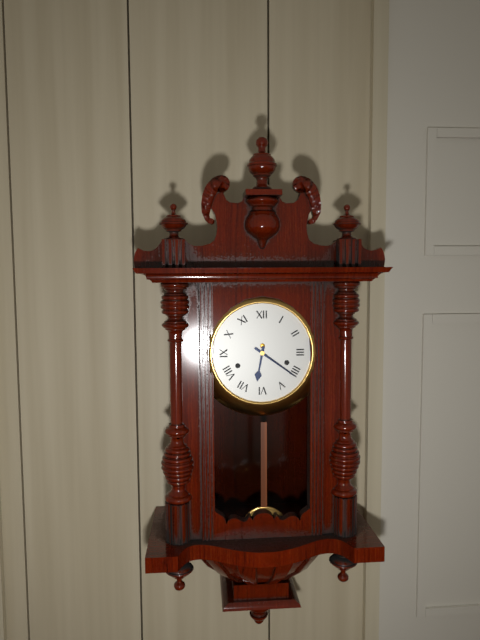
6.21
